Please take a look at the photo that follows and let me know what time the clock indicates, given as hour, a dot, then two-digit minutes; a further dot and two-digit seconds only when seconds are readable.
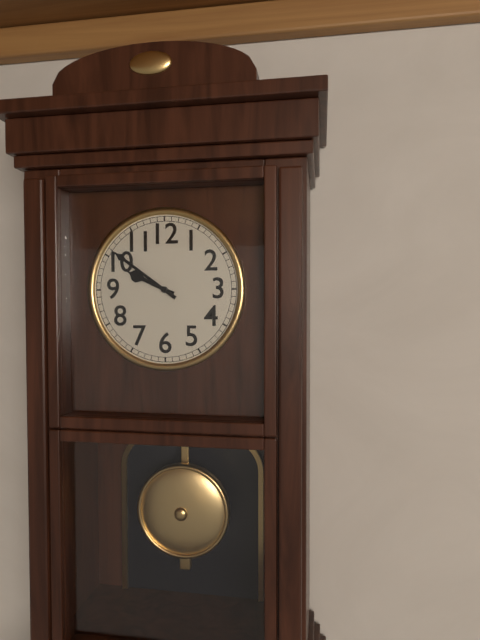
9.51
